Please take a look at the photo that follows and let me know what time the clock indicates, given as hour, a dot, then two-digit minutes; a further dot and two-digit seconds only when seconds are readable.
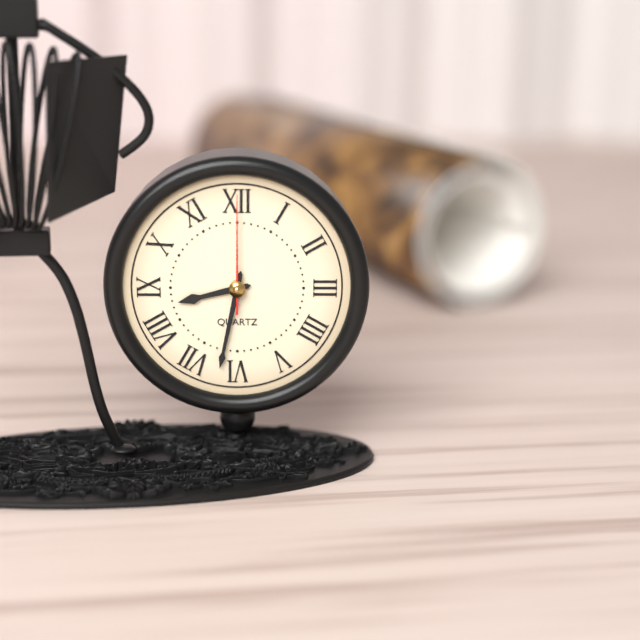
8.32.00
